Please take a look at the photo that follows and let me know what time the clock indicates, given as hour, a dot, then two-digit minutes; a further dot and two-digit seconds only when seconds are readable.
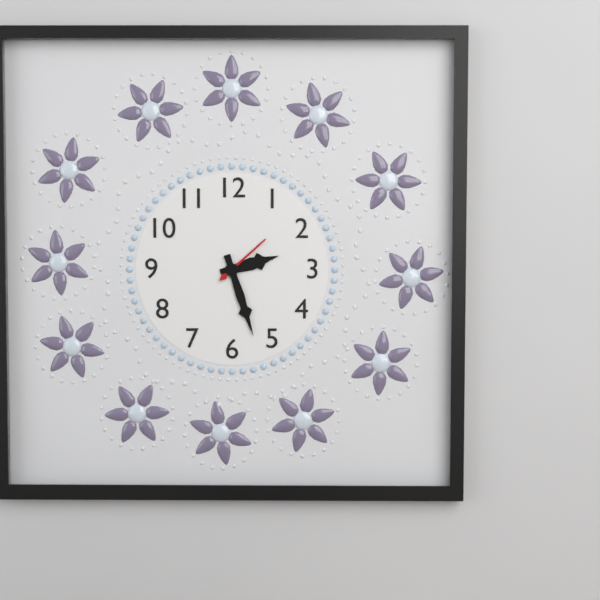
2.27.08
